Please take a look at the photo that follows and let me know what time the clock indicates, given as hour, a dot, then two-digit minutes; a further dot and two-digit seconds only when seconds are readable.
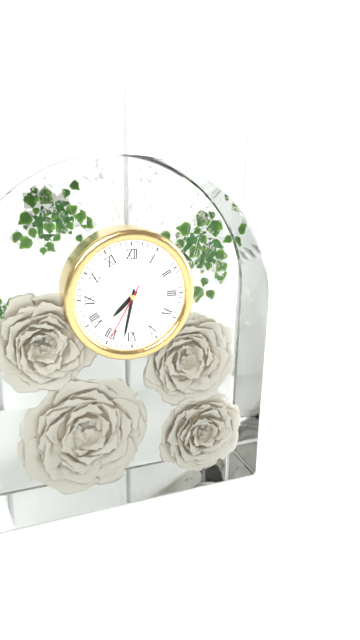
7.32.35
